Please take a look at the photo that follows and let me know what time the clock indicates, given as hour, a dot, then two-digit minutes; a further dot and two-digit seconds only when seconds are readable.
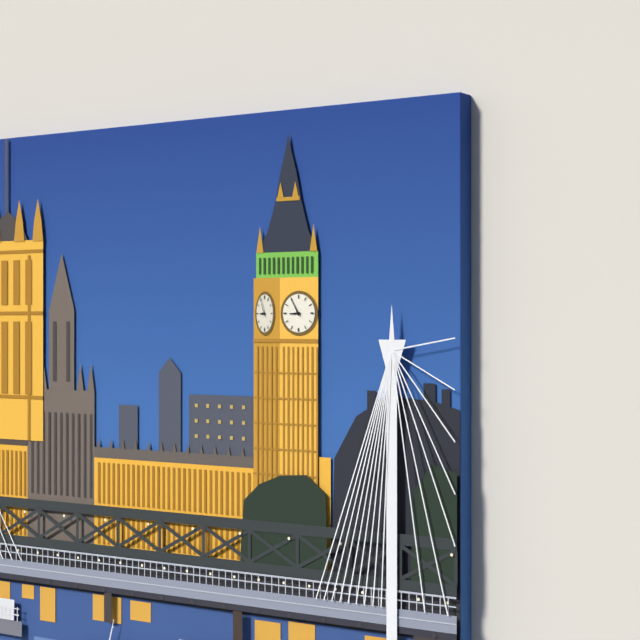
8.55
